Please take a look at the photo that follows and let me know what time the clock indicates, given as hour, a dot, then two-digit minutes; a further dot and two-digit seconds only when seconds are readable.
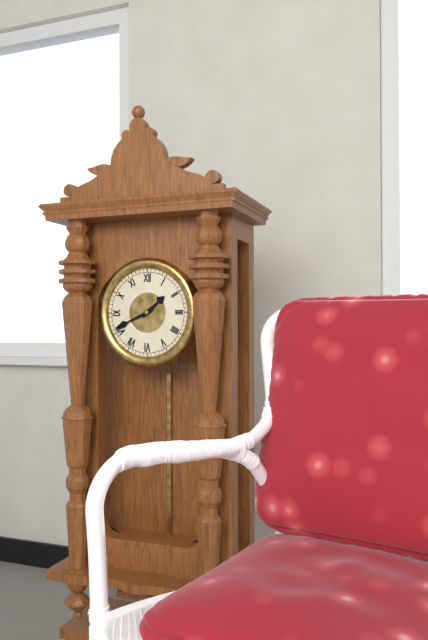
1.41
